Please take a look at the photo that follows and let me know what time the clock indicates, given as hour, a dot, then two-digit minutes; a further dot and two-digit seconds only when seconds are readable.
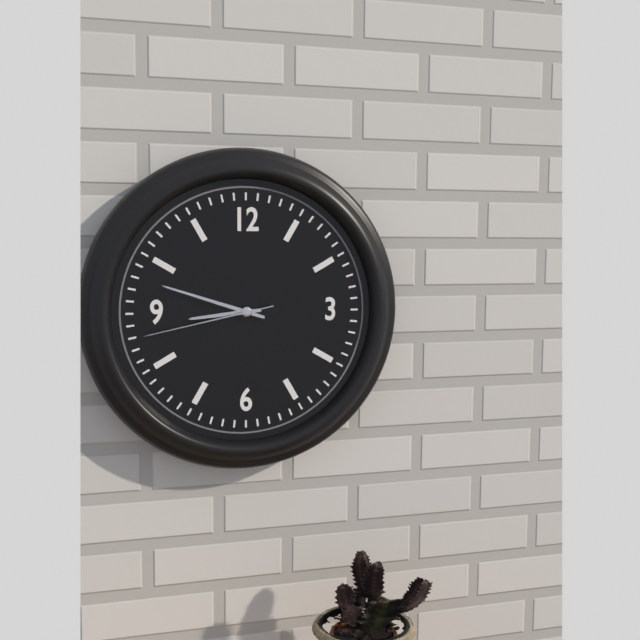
8.48.43
